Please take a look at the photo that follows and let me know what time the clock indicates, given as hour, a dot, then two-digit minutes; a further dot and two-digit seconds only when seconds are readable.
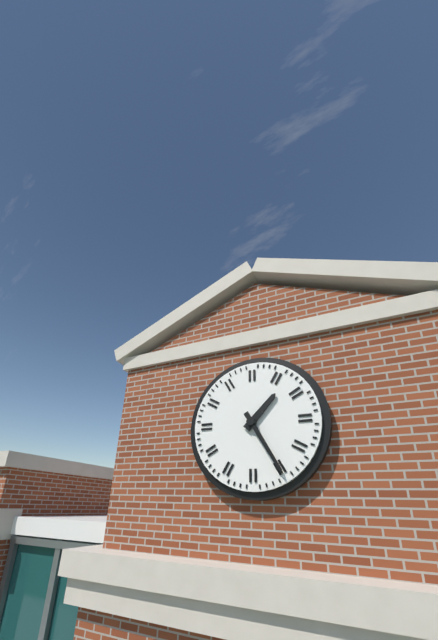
1.25
